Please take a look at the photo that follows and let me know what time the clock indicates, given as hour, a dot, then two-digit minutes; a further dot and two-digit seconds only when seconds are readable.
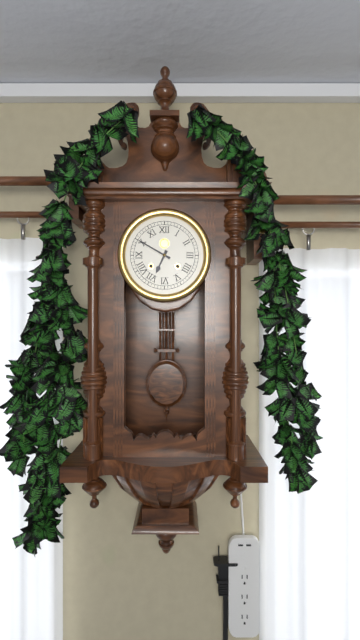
6.50
